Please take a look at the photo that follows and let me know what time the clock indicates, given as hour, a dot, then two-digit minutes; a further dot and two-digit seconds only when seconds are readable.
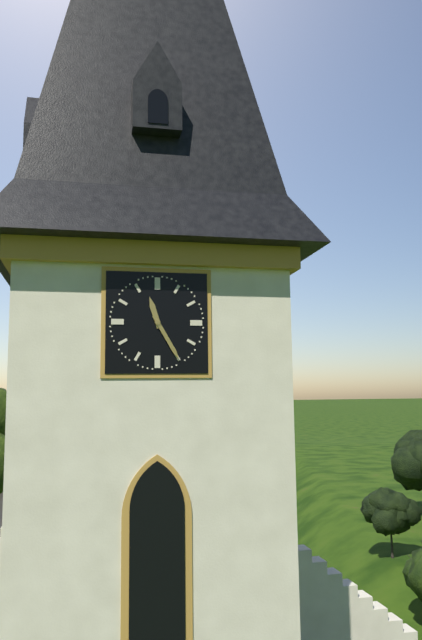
11.25
